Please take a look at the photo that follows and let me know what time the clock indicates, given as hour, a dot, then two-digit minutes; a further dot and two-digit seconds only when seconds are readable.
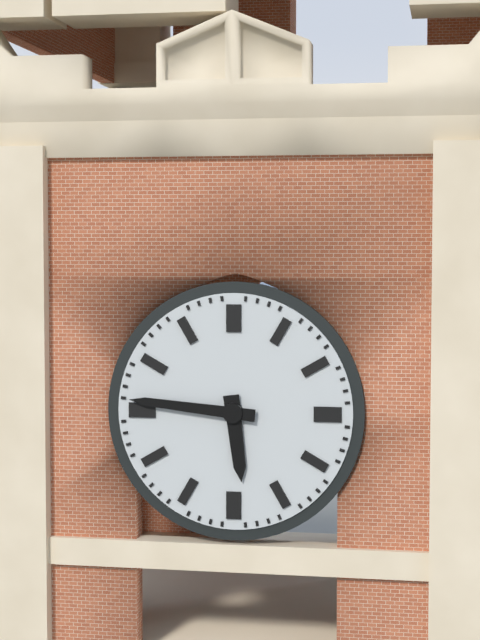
5.46
